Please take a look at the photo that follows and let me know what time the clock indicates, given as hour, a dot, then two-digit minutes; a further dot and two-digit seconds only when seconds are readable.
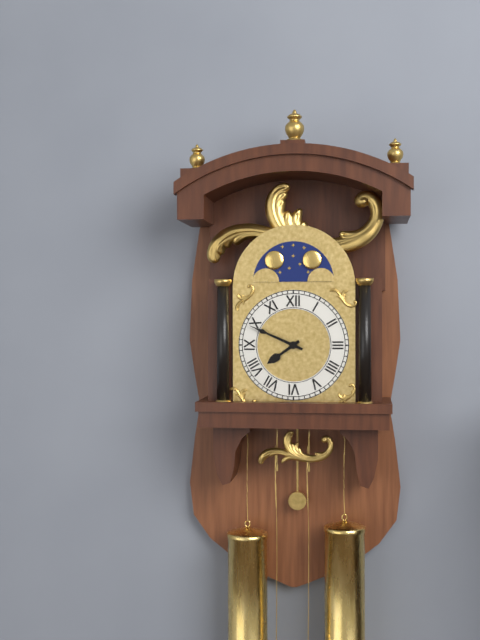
7.49
